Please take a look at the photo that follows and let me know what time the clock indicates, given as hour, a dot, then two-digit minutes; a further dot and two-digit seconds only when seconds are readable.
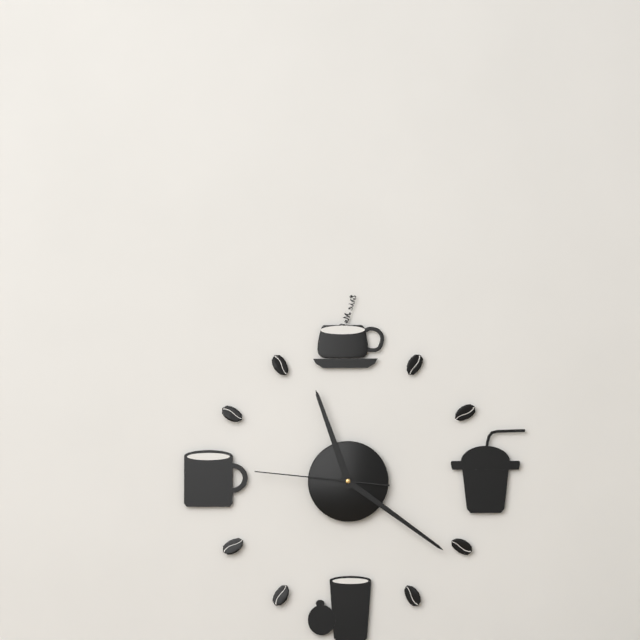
11.21.46
